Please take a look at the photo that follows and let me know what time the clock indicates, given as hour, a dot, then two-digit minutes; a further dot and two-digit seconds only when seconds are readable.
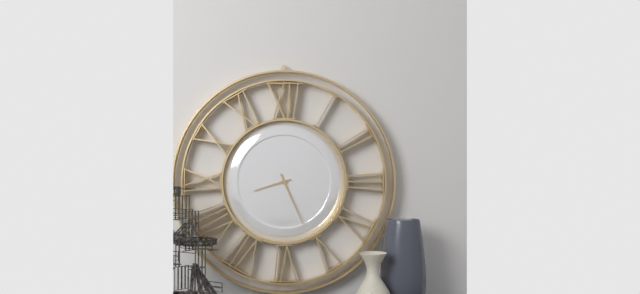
8.26
